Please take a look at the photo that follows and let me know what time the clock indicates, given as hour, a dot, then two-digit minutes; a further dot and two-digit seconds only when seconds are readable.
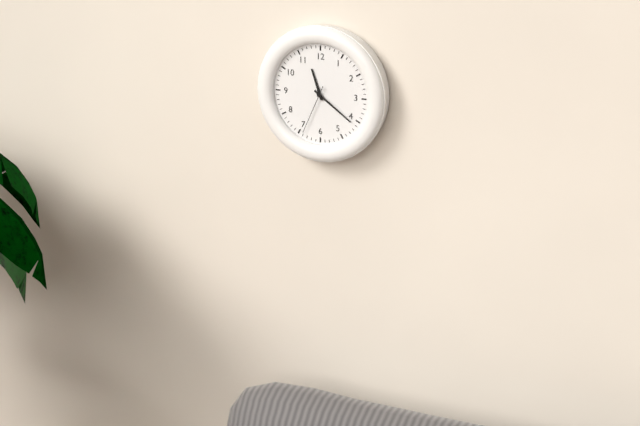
11.21.34
